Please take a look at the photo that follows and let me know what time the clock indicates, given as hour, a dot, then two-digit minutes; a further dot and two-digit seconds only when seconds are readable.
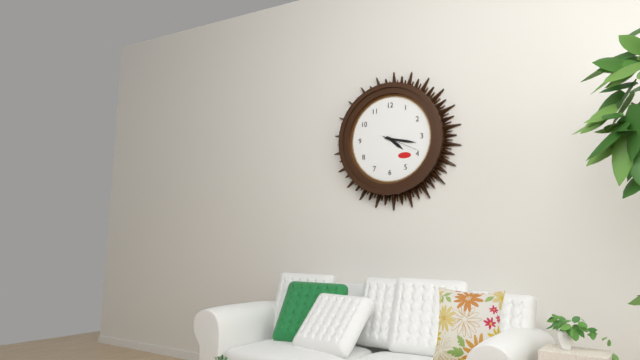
4.17
